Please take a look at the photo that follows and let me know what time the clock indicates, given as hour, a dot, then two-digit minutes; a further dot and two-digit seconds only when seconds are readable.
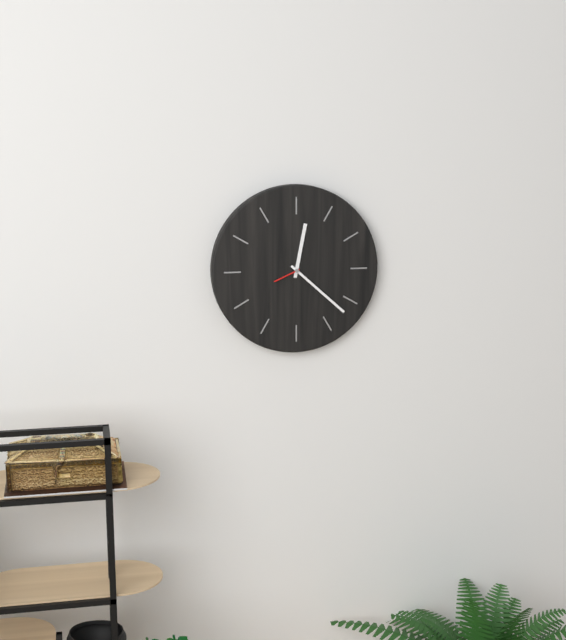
12.22
